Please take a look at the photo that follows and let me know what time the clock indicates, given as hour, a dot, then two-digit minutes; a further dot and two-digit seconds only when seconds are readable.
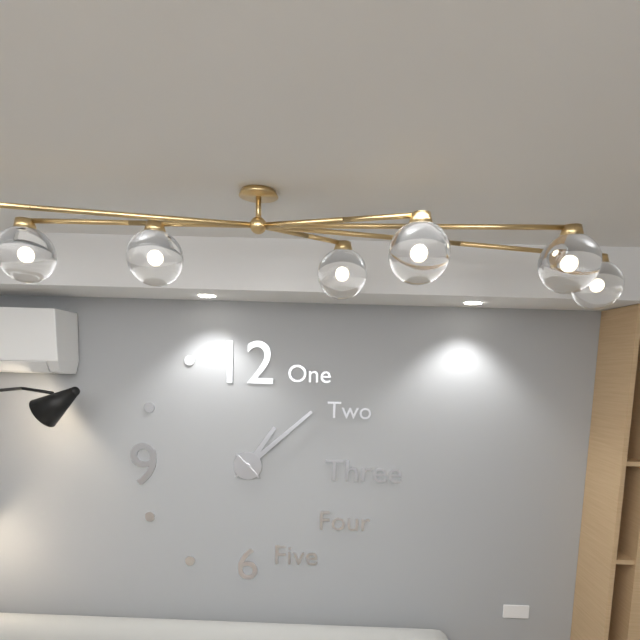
1.08
